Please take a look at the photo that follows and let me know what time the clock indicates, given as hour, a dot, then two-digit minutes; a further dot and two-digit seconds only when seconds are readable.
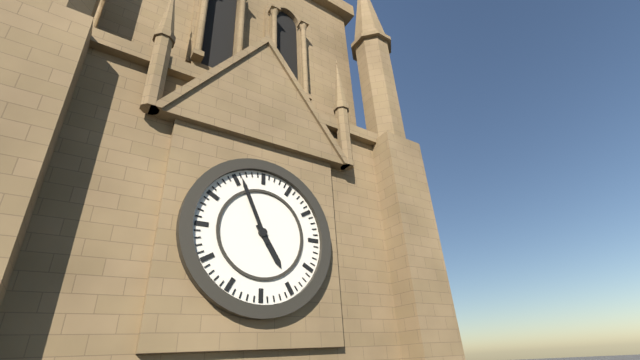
4.56
